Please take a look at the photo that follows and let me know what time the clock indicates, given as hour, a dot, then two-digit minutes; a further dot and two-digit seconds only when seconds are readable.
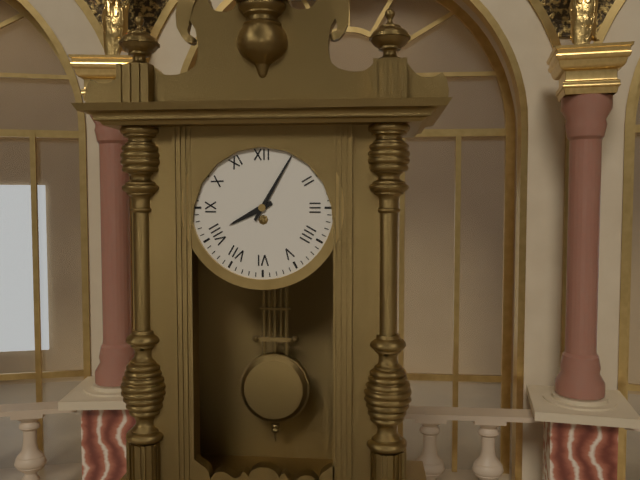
8.05
